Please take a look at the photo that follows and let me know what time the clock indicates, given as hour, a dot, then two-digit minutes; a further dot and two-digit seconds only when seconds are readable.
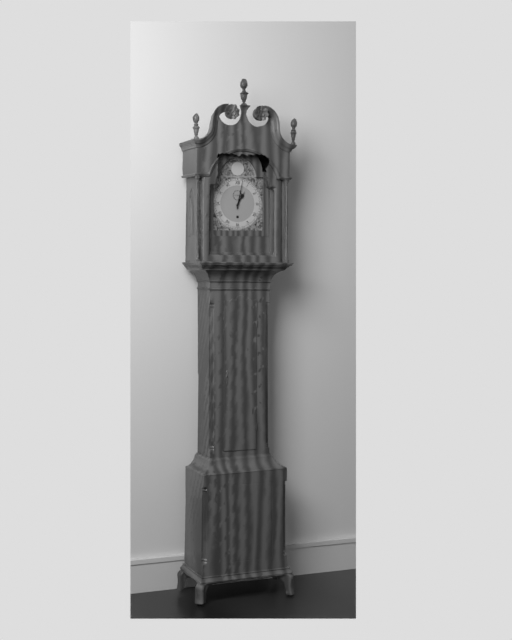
1.02
